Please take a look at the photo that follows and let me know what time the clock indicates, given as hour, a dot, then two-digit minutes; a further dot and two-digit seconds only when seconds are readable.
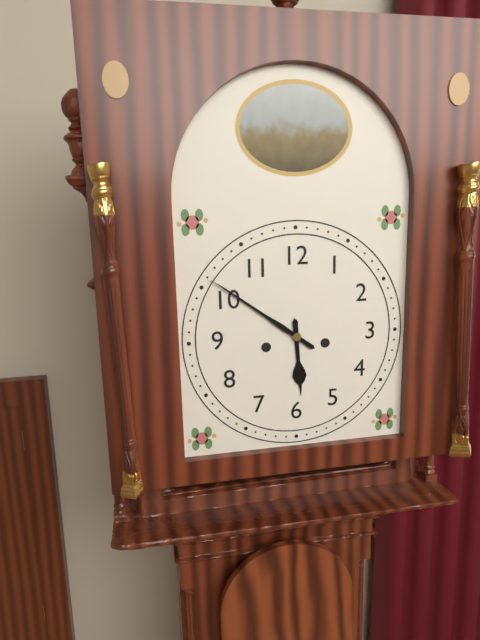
5.51
